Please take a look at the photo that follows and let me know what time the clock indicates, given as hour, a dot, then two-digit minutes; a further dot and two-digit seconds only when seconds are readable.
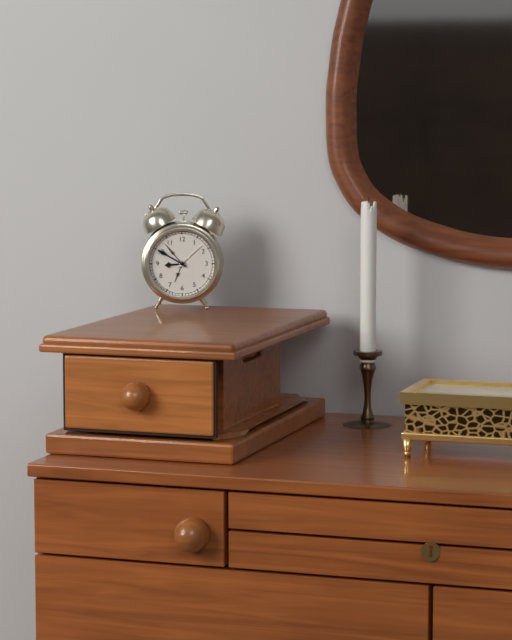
8.50
